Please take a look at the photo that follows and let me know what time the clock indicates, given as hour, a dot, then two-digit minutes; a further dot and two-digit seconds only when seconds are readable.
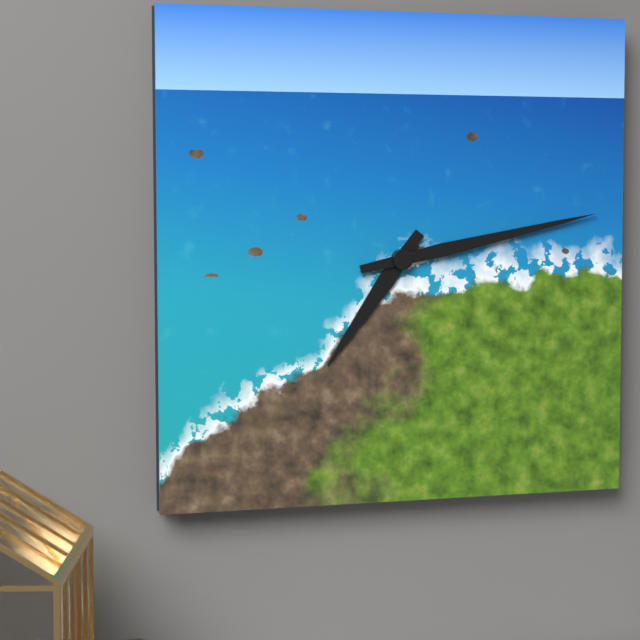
7.13
